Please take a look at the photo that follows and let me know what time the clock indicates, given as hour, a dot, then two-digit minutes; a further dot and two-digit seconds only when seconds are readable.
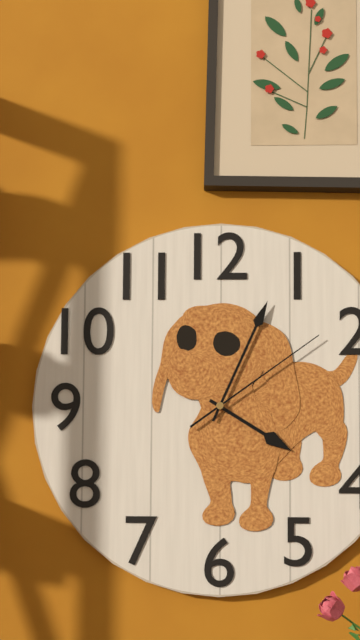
4.04.09
